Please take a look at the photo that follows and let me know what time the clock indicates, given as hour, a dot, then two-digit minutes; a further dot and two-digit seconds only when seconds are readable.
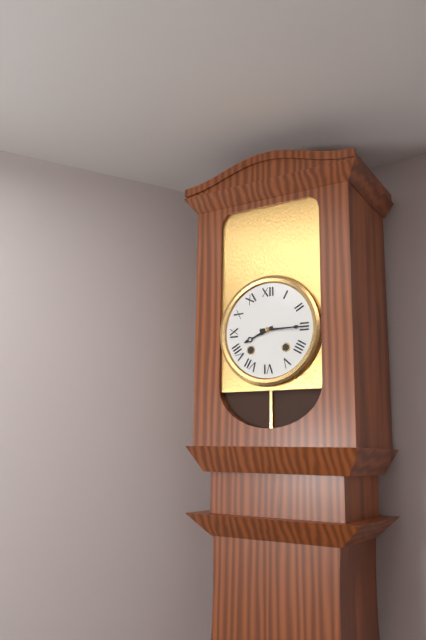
8.15
